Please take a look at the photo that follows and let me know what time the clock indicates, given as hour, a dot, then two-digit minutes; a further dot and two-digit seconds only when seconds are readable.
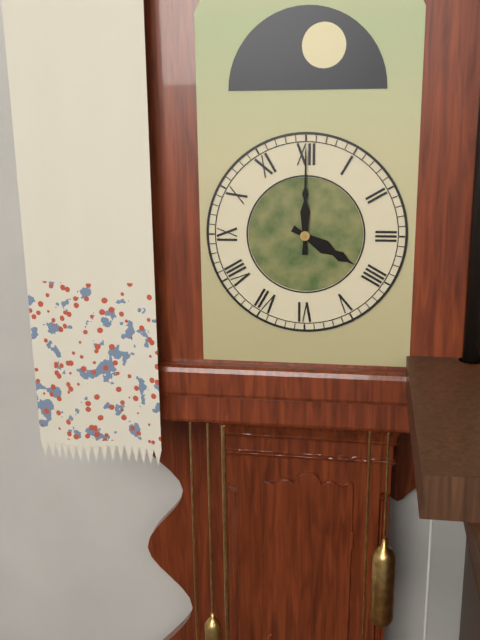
4.00
